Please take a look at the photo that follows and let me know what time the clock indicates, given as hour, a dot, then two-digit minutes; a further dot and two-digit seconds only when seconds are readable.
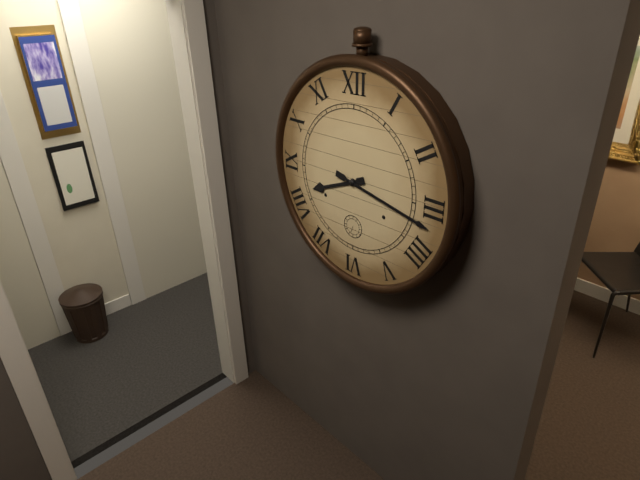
8.17
